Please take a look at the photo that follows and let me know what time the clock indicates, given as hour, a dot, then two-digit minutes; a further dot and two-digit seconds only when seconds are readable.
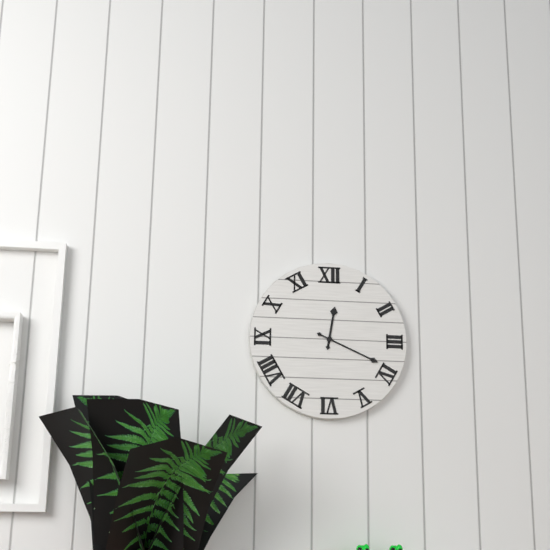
12.19
